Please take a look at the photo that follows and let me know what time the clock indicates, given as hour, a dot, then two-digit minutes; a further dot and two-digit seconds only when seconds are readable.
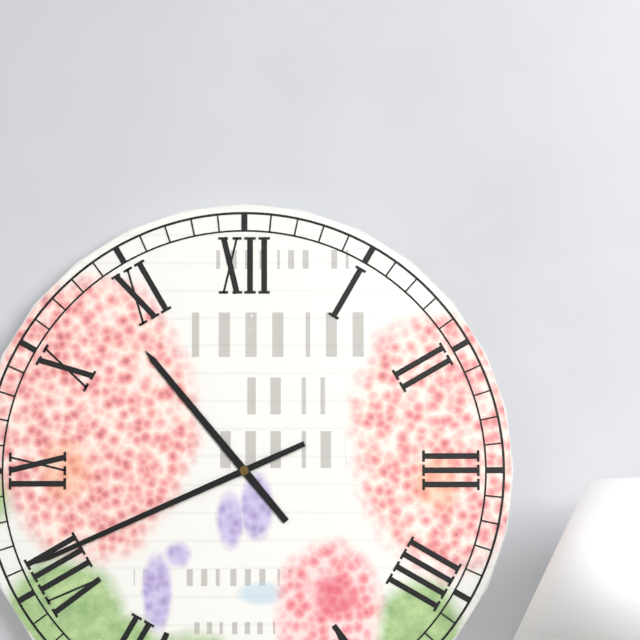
10.41
